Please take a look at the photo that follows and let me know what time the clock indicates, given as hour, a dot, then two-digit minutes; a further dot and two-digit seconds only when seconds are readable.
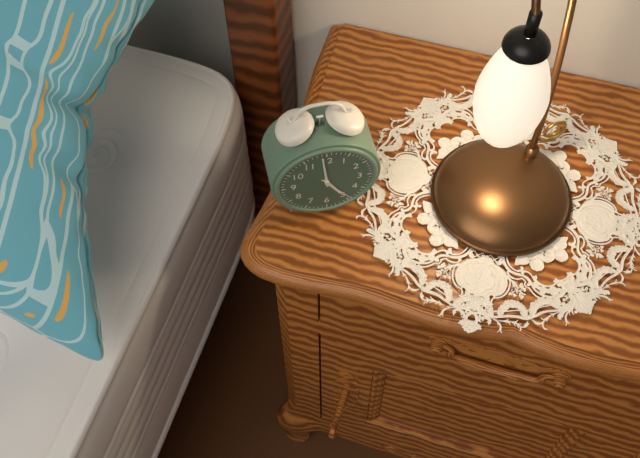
4.59
